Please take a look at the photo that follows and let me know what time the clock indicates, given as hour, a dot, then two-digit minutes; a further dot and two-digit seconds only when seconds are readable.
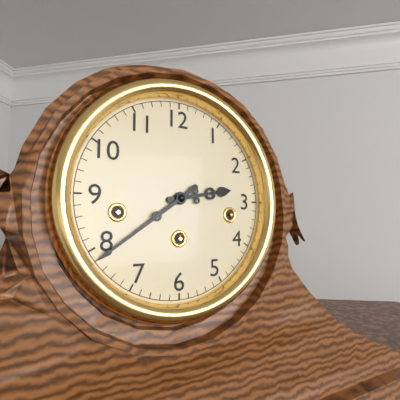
2.39
